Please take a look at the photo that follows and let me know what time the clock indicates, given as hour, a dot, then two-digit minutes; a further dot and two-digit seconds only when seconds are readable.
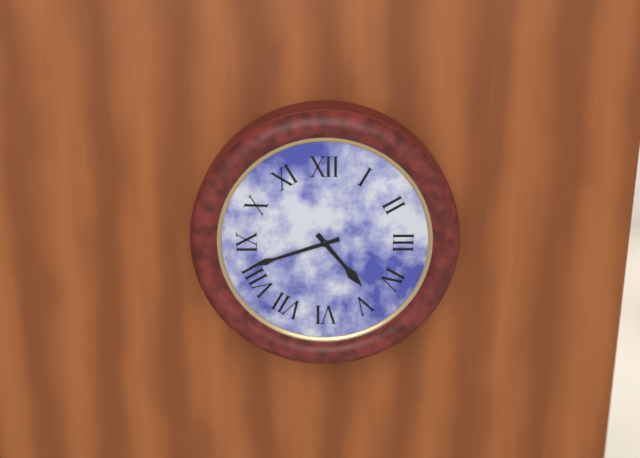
4.42
